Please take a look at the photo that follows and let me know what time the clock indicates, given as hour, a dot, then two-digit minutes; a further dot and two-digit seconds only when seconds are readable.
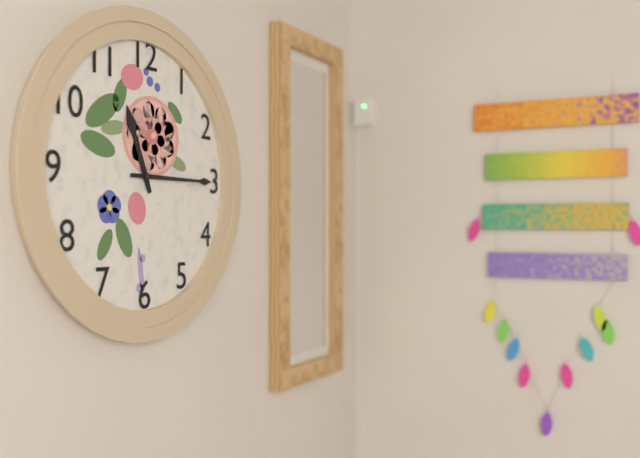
11.15
